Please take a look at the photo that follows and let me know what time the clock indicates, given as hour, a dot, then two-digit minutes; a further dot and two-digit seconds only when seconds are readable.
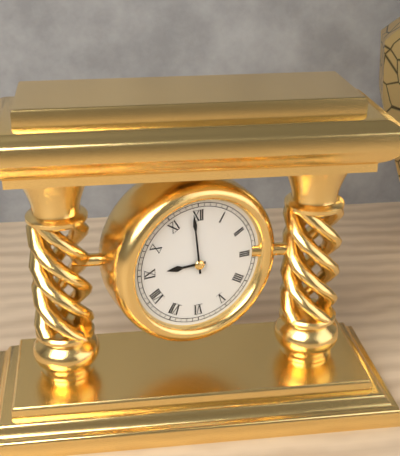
8.59
